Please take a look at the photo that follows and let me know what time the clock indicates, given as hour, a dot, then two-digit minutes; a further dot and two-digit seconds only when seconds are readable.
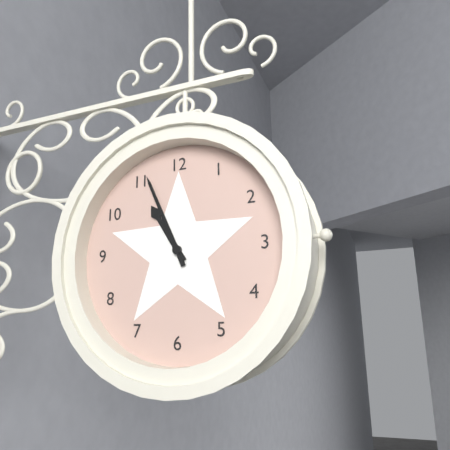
10.56
